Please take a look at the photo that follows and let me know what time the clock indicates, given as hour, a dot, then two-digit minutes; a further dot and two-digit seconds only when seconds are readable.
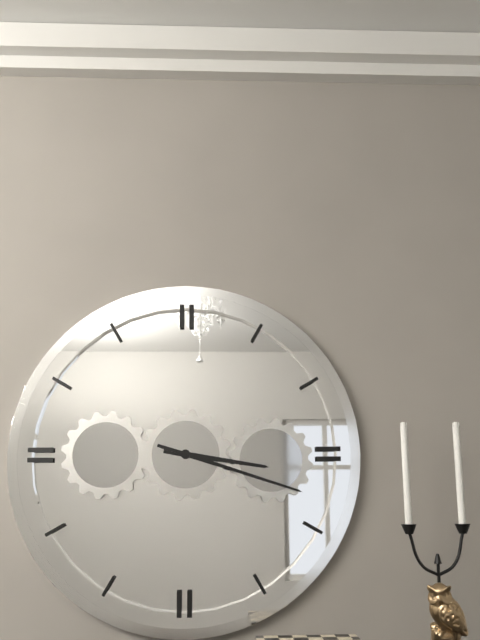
3.18
